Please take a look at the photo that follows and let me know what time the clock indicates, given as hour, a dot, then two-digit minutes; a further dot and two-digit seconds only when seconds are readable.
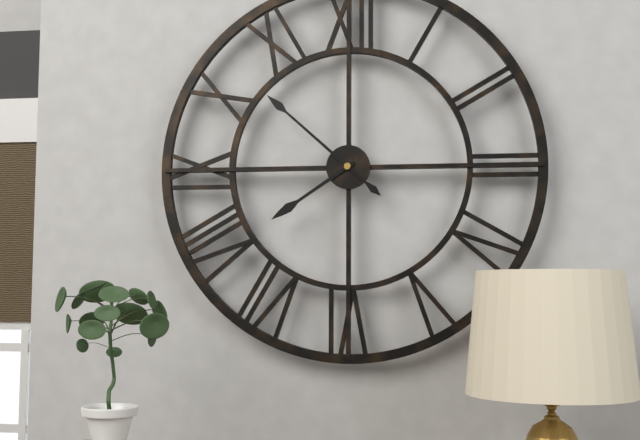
7.52
